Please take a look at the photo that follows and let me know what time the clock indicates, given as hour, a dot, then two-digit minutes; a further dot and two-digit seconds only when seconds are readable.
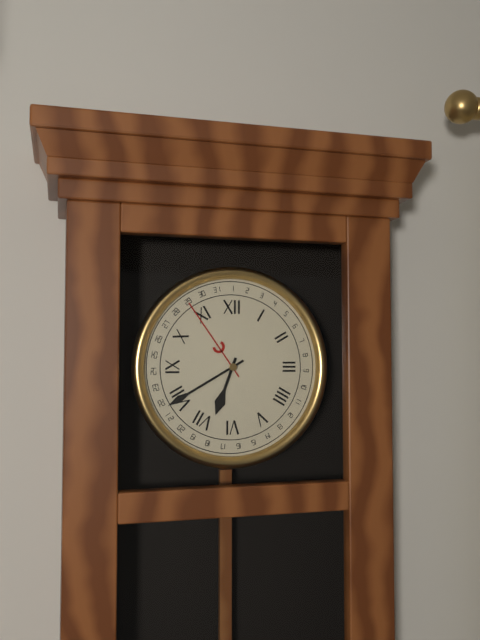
6.40
